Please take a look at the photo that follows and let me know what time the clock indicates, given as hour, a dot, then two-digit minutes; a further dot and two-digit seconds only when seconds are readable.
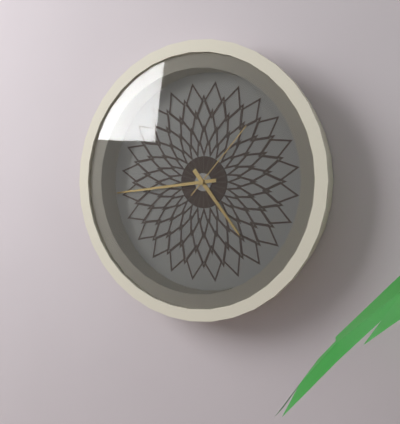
4.44.07
